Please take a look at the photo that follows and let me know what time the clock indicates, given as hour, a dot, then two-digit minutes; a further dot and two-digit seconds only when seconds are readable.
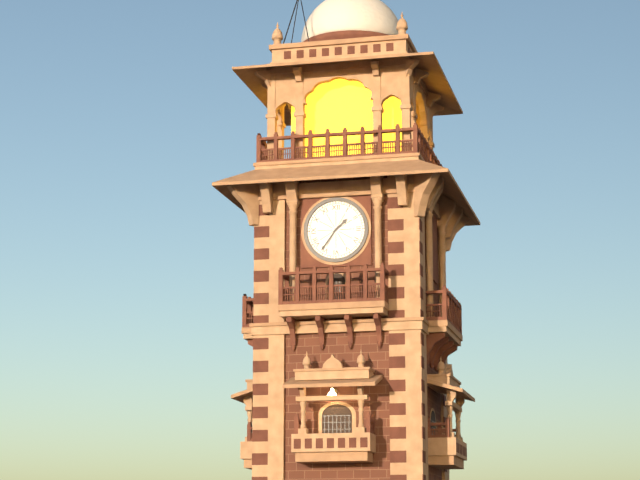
1.36
